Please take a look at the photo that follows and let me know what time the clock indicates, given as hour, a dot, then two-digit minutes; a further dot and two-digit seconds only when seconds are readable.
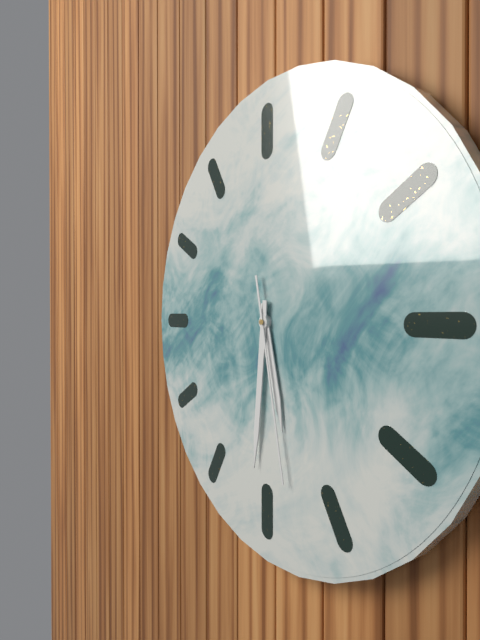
5.31.28
